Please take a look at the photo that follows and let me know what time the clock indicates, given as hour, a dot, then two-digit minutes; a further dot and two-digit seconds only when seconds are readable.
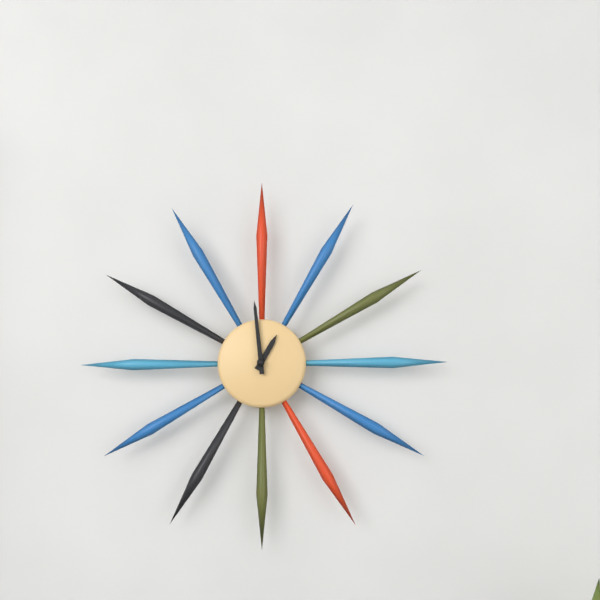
12.59
